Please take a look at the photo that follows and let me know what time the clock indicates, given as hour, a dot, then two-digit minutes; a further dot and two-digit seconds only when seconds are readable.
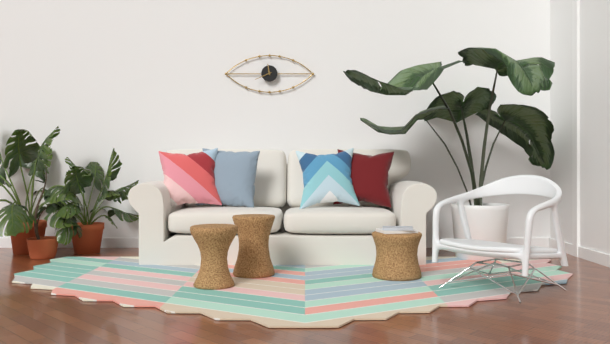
11.41
